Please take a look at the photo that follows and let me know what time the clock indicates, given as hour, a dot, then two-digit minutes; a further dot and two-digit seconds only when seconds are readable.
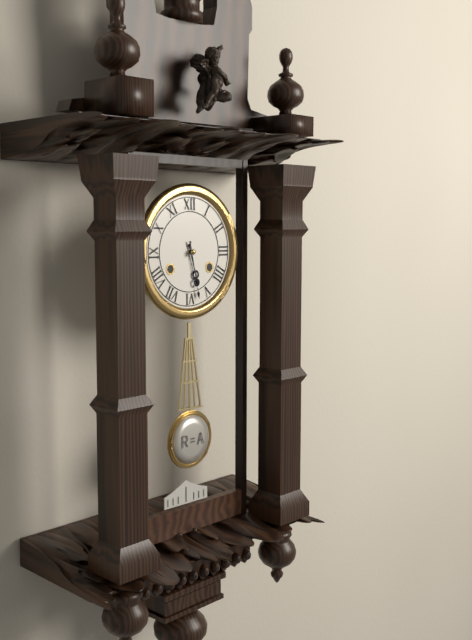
5.28
